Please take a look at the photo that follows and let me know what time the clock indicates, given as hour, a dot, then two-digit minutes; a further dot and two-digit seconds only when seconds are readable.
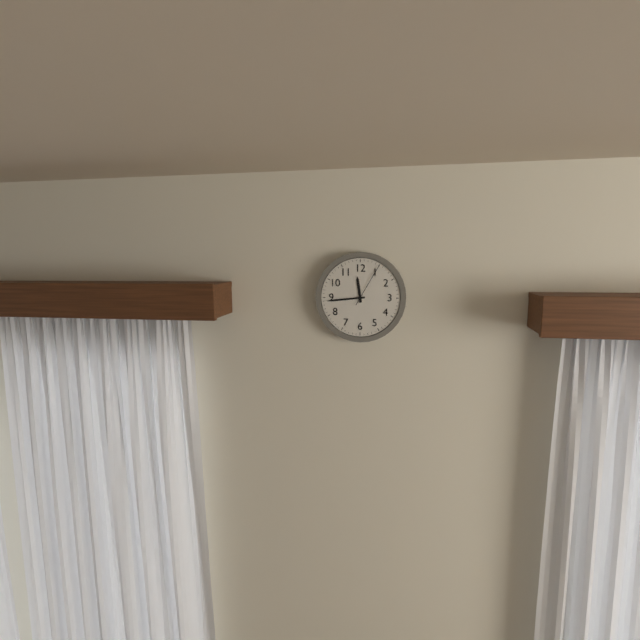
11.44
